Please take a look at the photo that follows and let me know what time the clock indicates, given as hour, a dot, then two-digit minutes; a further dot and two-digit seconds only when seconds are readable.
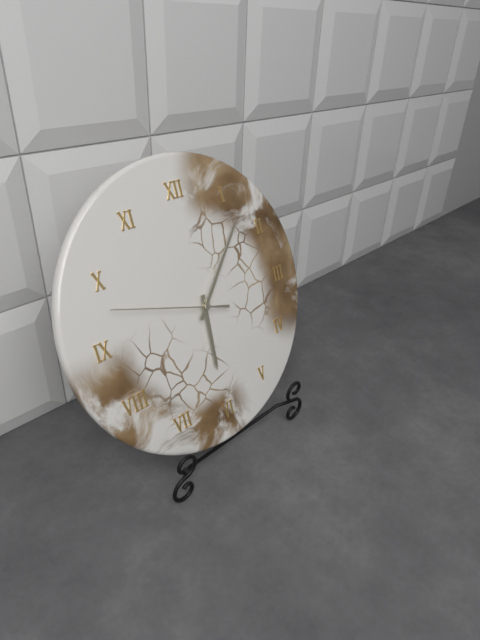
6.07.48
